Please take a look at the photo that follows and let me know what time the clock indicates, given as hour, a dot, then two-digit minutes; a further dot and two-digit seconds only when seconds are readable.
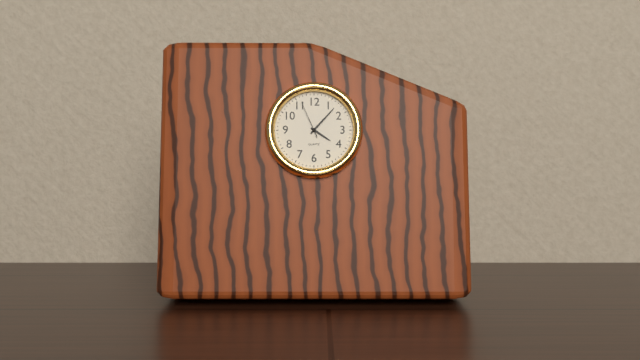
4.07
